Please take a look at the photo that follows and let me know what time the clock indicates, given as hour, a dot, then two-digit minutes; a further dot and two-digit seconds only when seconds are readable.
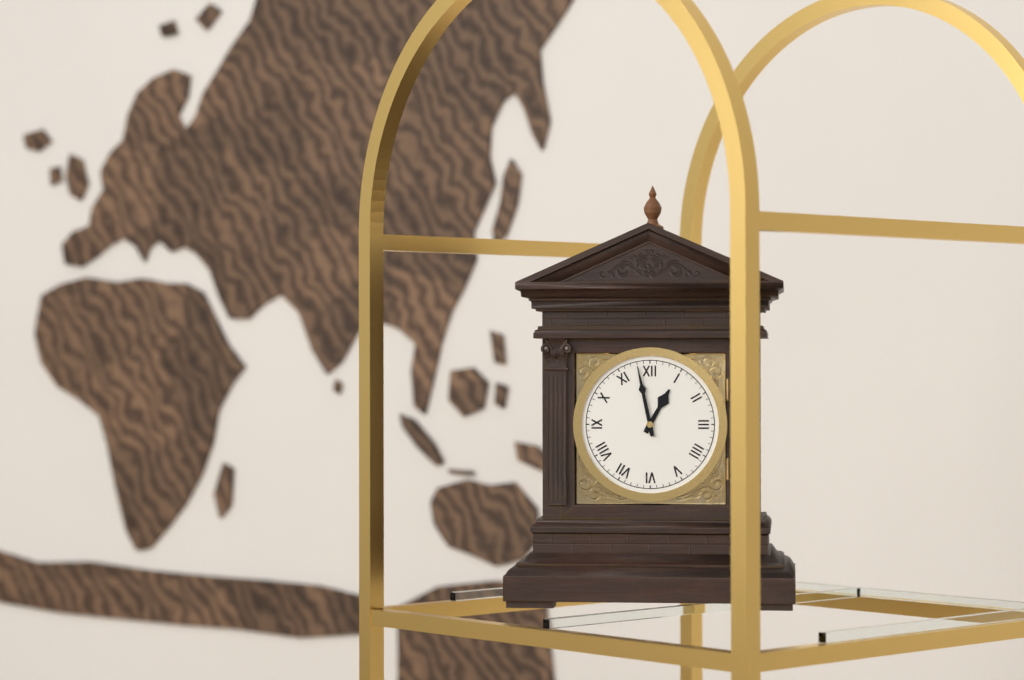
12.58
